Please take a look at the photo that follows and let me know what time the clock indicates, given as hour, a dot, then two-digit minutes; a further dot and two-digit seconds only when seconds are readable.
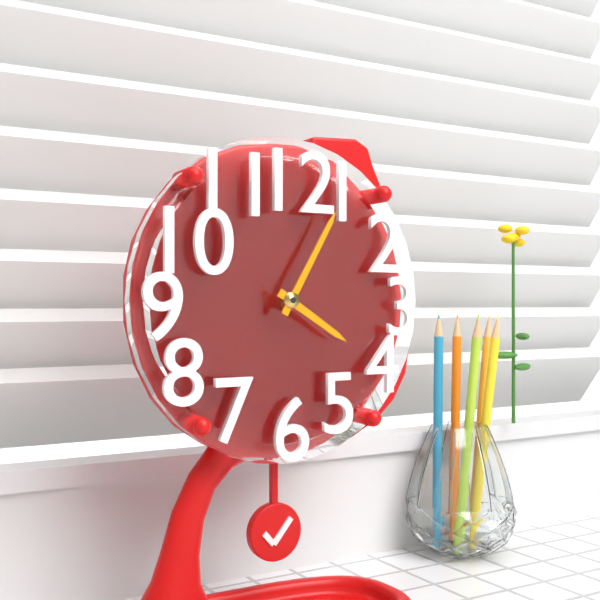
4.05
